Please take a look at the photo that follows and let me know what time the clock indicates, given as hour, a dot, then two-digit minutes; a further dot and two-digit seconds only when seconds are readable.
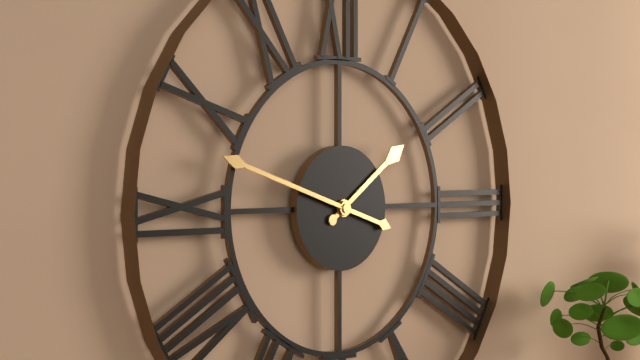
1.48
